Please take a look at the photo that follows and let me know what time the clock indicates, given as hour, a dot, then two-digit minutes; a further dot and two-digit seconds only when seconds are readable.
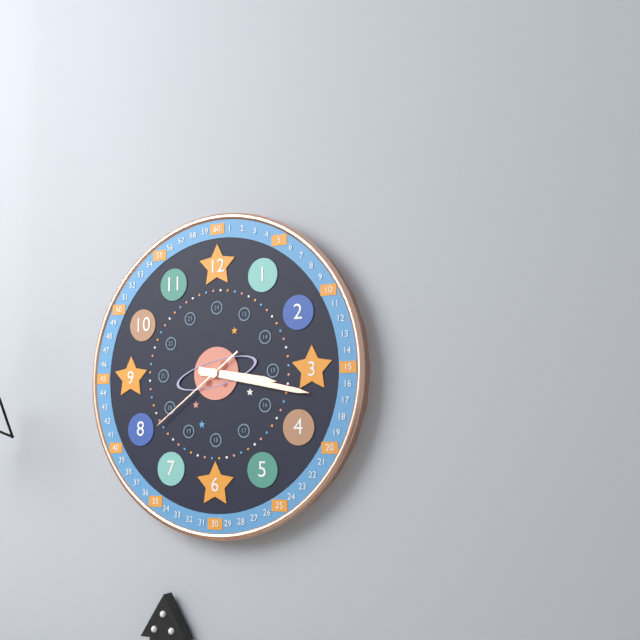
3.17.39
